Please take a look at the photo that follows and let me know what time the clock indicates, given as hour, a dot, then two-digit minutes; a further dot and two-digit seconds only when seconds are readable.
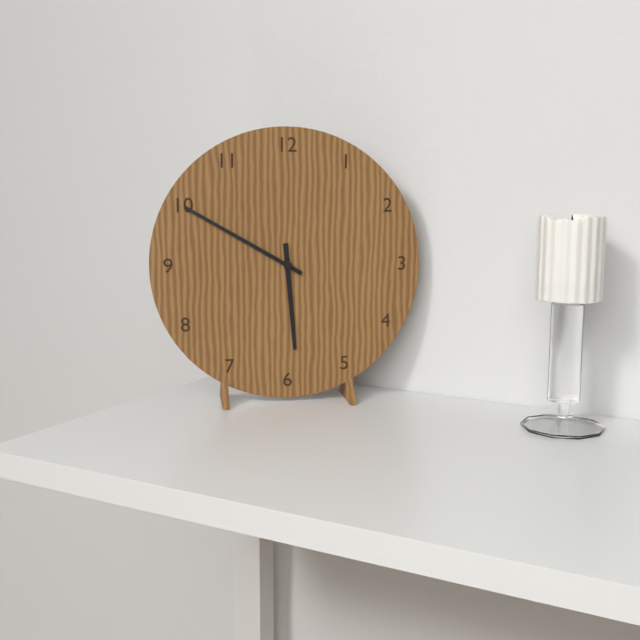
5.50
